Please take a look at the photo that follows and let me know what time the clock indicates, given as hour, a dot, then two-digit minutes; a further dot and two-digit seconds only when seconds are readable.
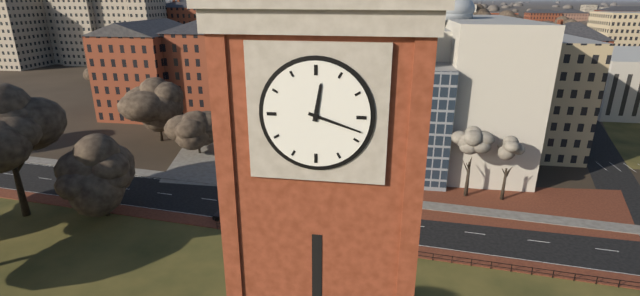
12.18
